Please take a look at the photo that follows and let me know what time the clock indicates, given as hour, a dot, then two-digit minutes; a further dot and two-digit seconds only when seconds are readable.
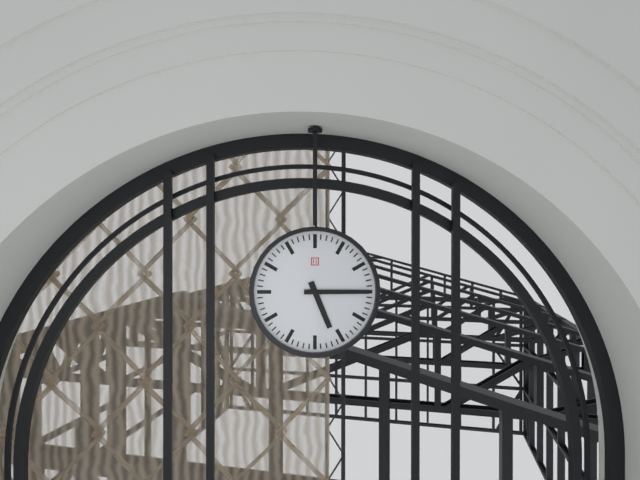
5.15
